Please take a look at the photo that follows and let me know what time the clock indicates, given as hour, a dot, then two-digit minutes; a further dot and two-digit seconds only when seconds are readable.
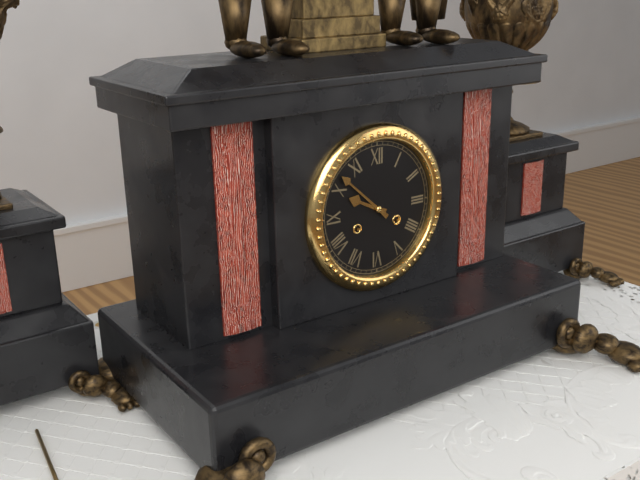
9.52
